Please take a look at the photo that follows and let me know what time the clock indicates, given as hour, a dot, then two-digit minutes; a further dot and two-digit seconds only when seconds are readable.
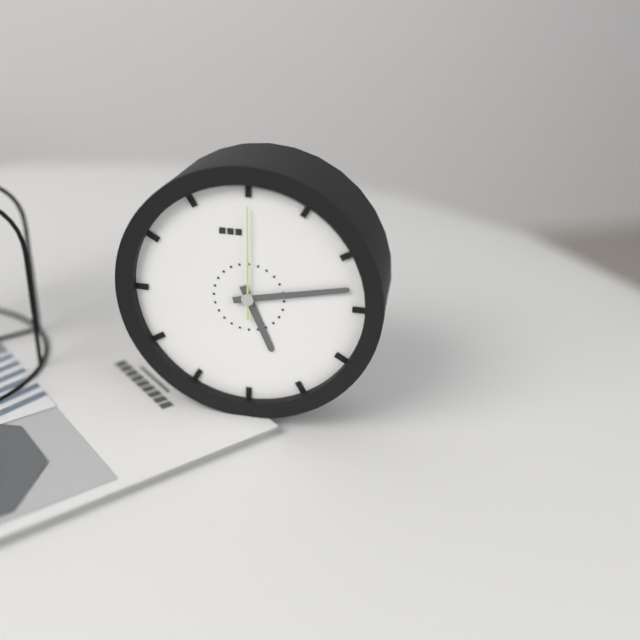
5.13.00
